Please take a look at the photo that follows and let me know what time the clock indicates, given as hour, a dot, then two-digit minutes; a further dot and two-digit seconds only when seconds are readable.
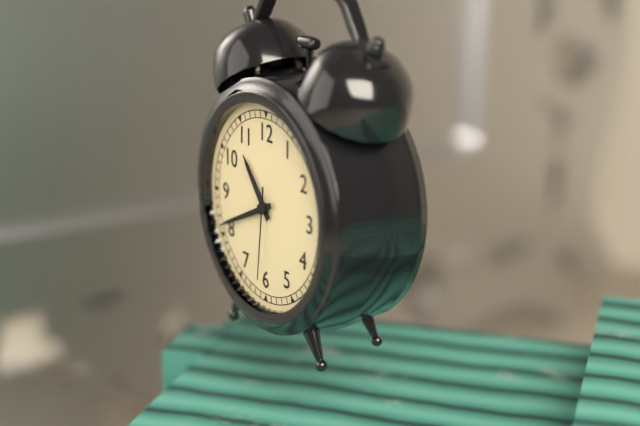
10.41.31
